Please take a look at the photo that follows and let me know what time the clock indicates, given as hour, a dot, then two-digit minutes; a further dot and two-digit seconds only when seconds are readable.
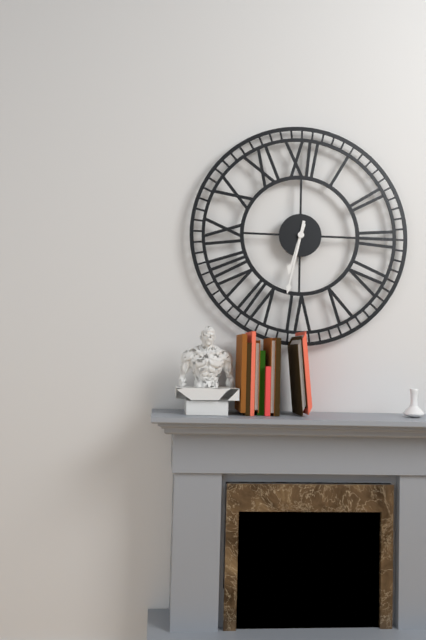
6.32
